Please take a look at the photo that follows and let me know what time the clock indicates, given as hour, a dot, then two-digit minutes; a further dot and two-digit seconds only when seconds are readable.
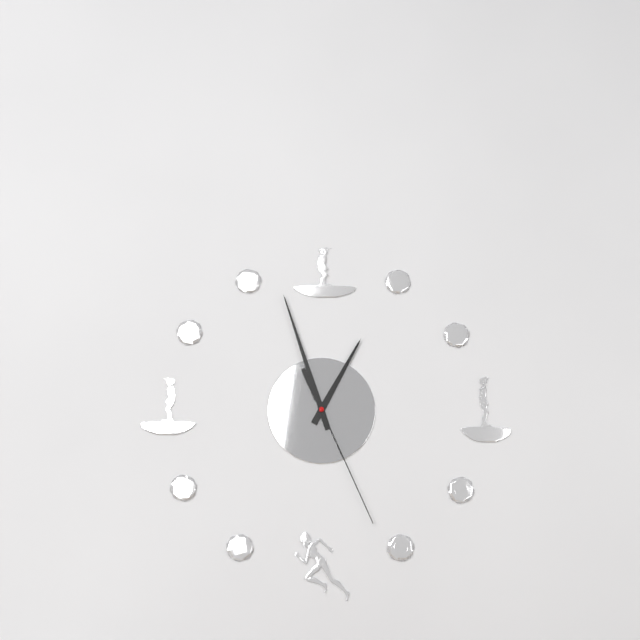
12.57.26
